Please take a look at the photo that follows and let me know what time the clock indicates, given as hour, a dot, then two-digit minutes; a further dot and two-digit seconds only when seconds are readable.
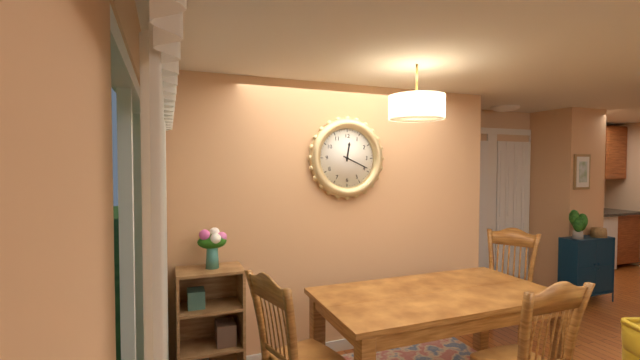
12.19
